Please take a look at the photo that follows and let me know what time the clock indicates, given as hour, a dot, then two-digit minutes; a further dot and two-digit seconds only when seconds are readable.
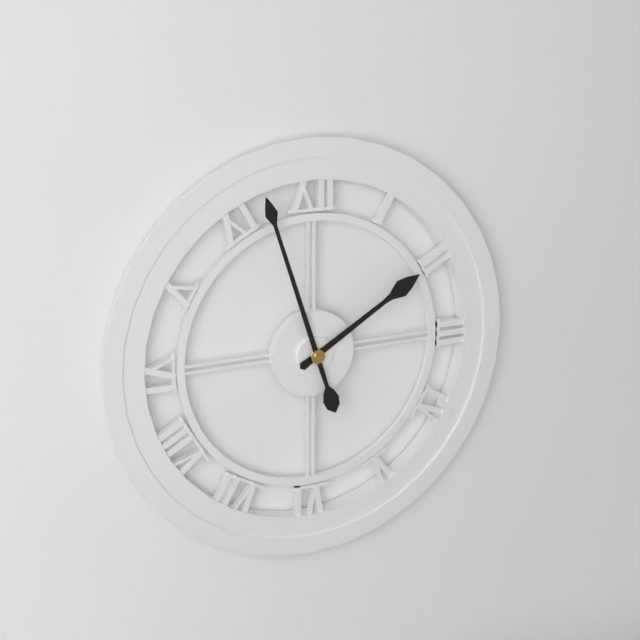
1.57
